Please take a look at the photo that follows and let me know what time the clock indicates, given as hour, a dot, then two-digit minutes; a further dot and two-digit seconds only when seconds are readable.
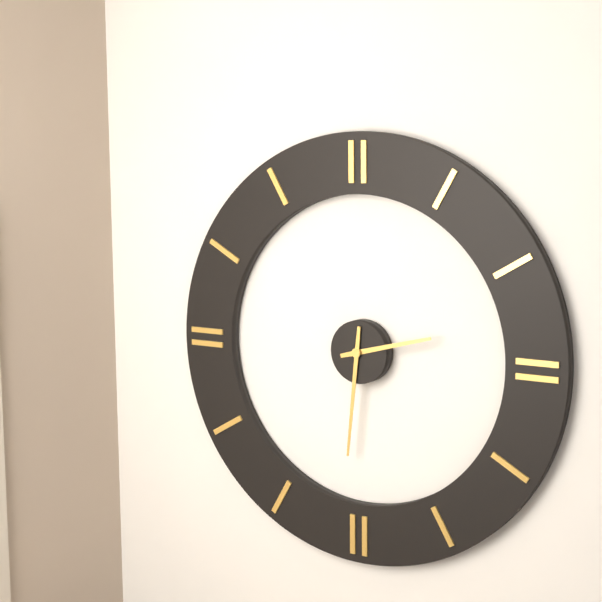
2.31
